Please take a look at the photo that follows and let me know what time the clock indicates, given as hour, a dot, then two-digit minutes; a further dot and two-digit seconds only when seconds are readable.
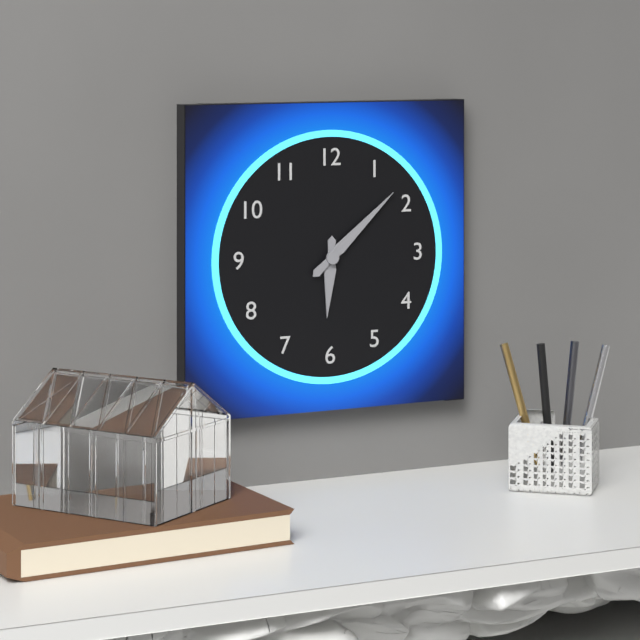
6.08
